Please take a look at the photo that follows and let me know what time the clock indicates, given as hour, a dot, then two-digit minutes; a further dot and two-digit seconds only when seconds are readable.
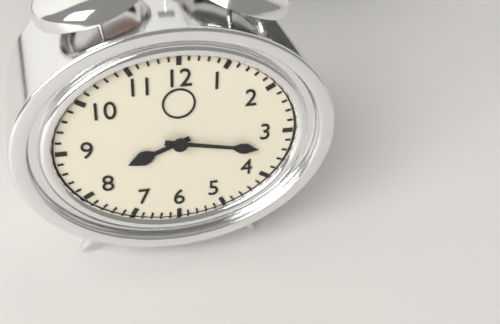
8.17
